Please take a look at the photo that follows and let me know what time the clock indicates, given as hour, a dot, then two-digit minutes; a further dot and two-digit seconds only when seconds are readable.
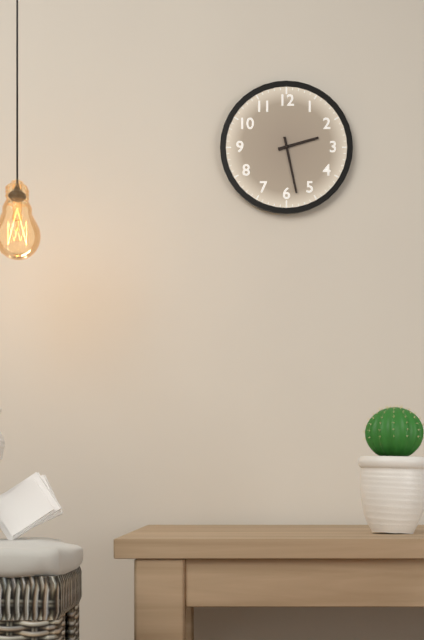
2.28
